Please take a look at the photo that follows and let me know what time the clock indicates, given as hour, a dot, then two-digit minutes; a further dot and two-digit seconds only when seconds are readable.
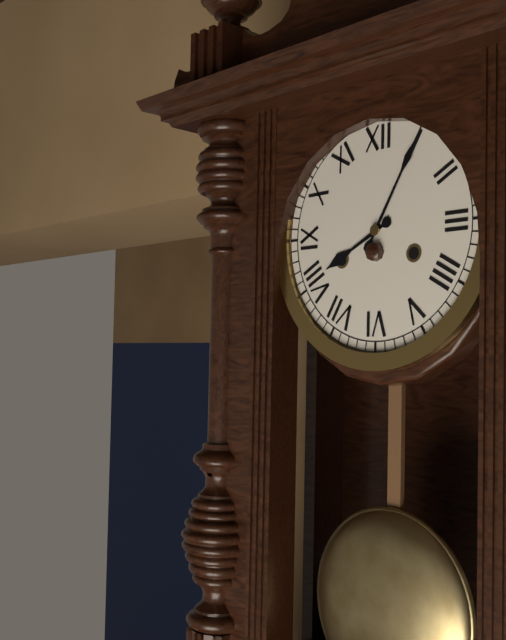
8.05
